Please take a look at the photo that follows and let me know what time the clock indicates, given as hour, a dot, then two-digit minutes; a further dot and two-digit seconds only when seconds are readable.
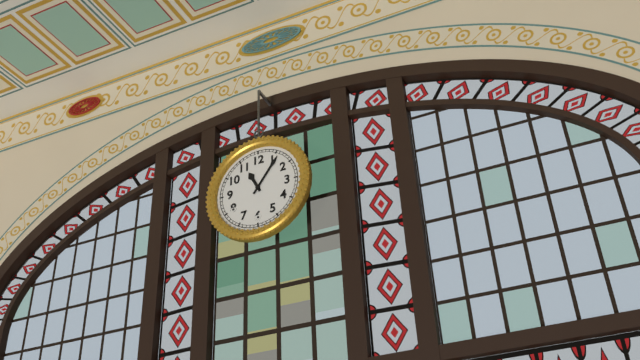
11.06
